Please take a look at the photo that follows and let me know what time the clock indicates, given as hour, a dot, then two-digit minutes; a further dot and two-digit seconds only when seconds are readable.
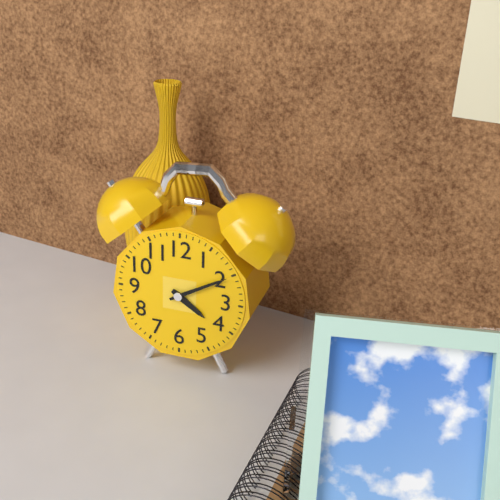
4.10
